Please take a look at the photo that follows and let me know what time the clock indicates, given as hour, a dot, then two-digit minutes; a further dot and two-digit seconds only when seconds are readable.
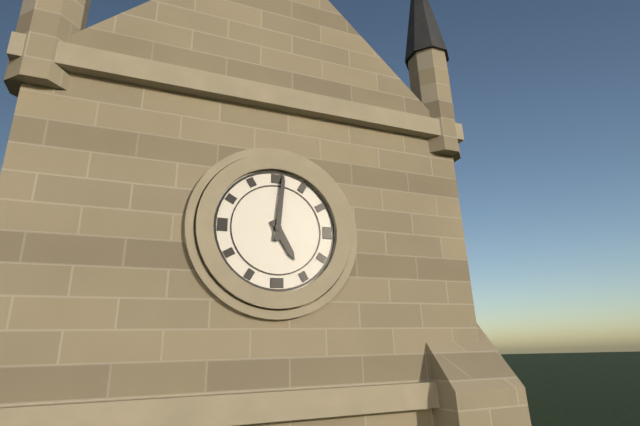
5.01
